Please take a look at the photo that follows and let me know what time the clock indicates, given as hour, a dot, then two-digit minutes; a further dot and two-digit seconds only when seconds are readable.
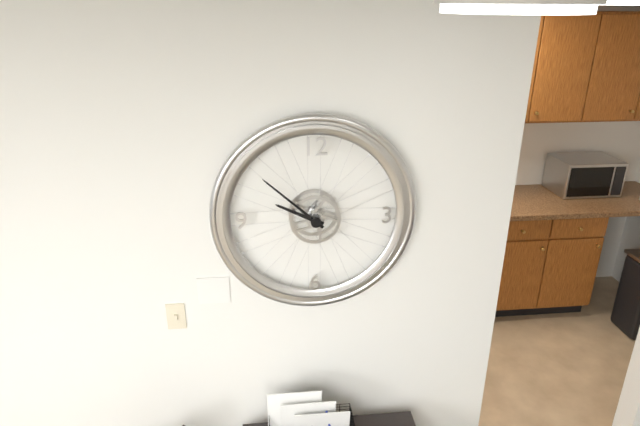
9.52
